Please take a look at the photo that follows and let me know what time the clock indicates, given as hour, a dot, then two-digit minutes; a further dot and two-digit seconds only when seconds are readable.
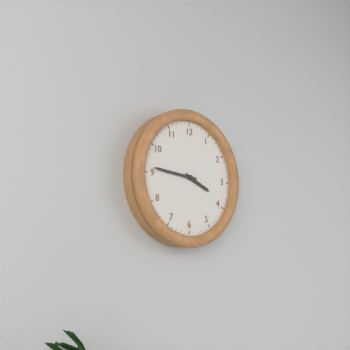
3.46
